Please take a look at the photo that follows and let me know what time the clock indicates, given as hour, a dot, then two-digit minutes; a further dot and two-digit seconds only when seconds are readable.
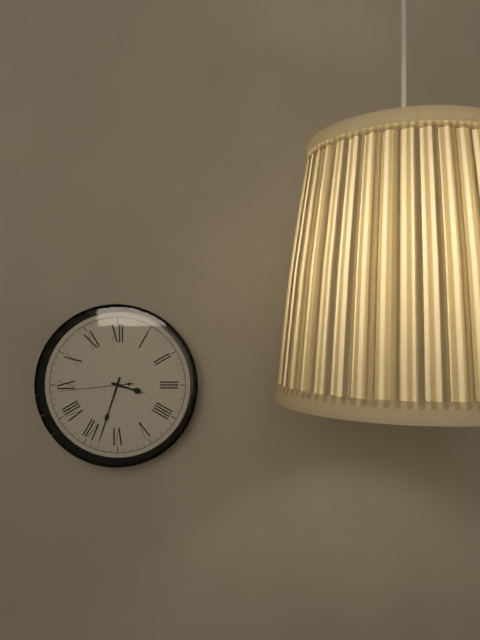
3.33.44
